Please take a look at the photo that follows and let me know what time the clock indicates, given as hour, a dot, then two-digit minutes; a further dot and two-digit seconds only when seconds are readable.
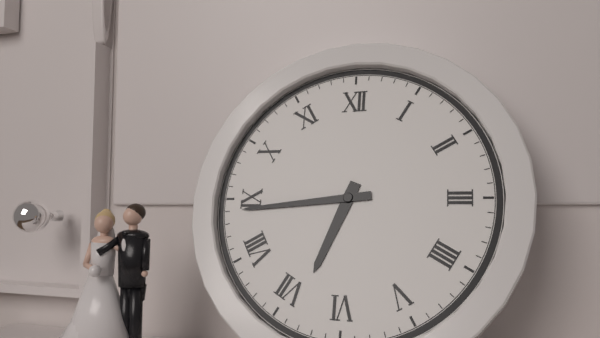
6.44
